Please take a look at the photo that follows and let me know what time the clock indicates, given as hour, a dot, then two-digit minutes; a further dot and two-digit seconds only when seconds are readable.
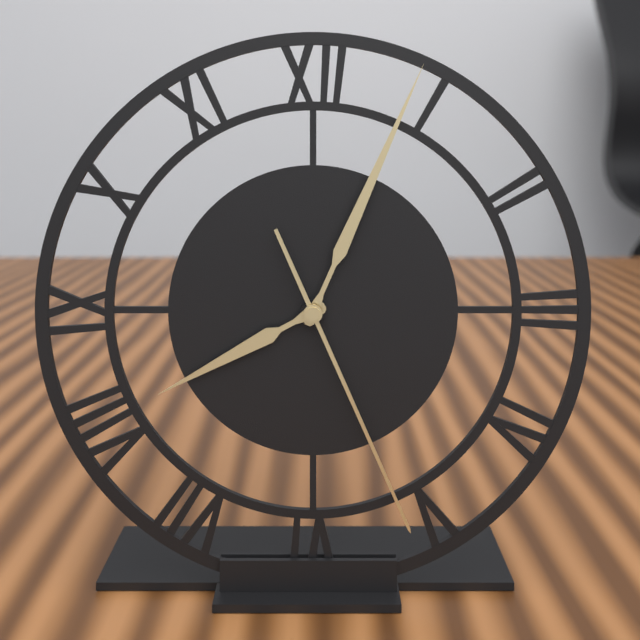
8.04.26
